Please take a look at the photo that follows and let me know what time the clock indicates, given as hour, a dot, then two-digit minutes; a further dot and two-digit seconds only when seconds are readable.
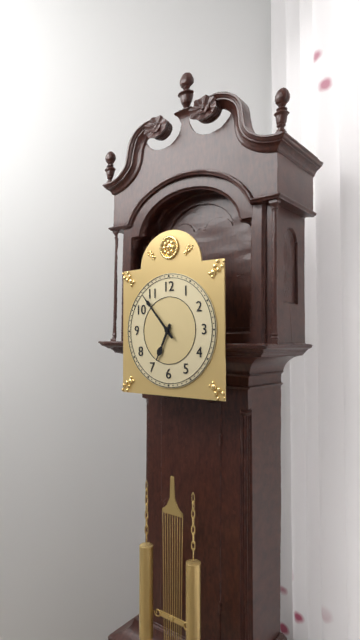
6.53
